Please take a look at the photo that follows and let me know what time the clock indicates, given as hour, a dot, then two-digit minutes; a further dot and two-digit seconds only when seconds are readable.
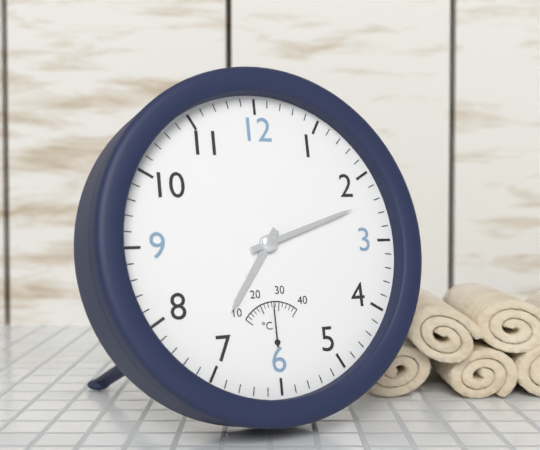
7.12
